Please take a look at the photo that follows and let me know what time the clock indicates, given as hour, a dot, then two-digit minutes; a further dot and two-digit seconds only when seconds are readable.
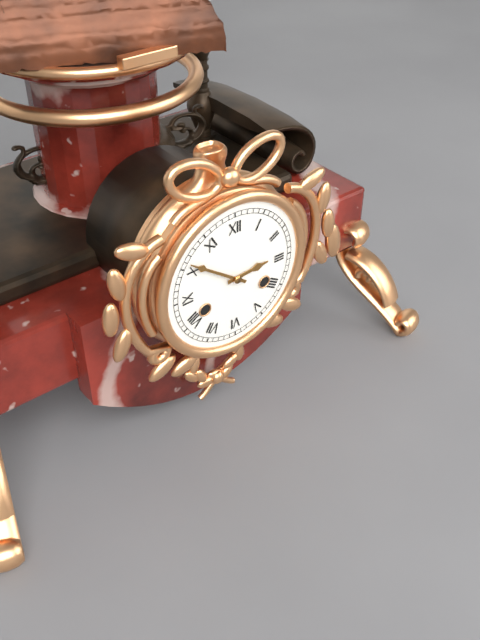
2.51
